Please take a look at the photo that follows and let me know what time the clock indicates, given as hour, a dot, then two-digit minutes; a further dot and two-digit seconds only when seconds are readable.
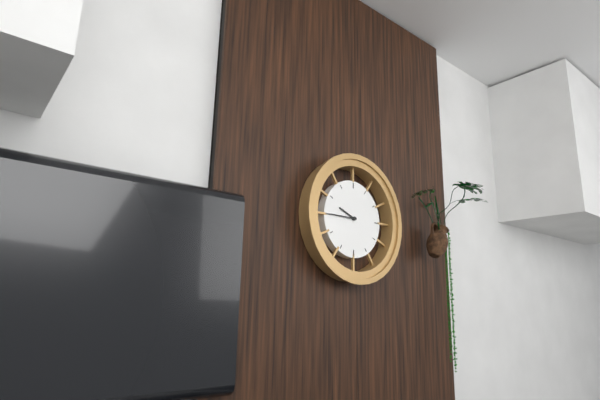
9.45
